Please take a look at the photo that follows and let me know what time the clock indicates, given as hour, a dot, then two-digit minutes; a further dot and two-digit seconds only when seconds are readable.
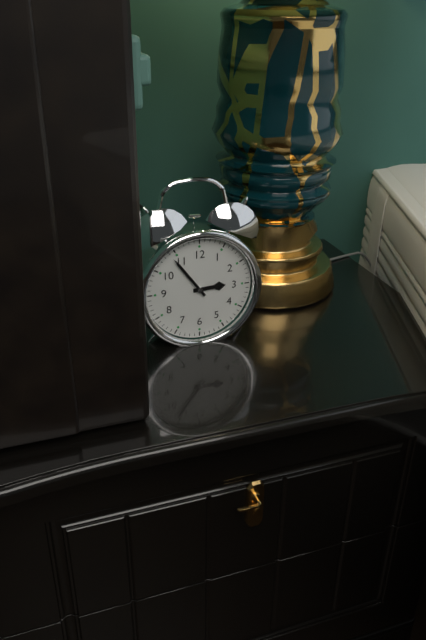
2.54
